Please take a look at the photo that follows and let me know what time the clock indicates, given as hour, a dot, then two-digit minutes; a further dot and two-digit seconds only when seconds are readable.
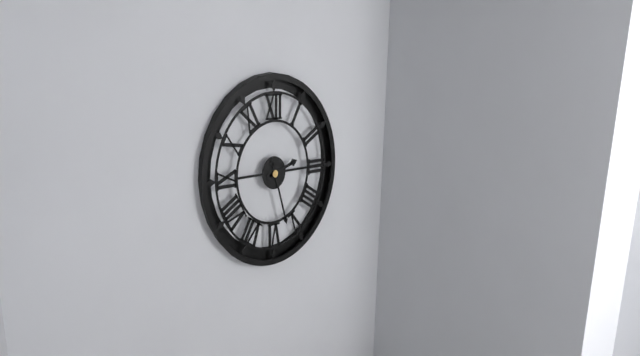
2.27
